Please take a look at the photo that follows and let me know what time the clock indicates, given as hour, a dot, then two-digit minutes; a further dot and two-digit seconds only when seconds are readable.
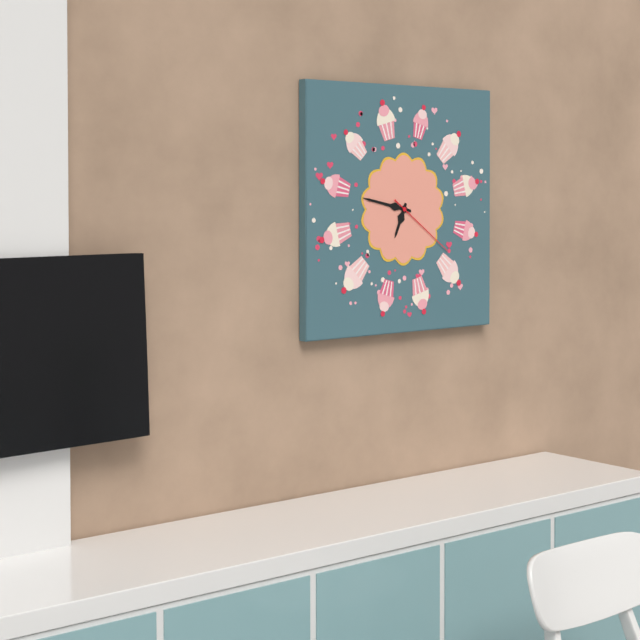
6.47.21
